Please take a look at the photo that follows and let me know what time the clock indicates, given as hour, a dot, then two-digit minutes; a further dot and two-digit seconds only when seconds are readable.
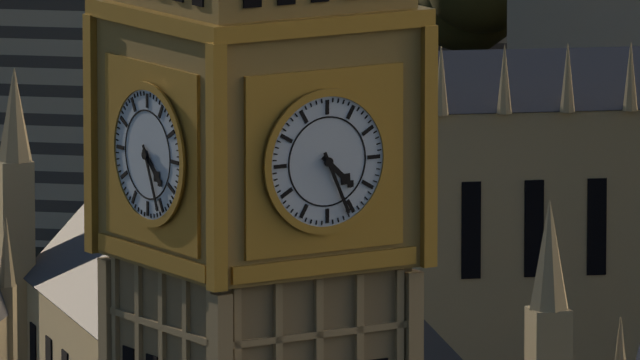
4.26
